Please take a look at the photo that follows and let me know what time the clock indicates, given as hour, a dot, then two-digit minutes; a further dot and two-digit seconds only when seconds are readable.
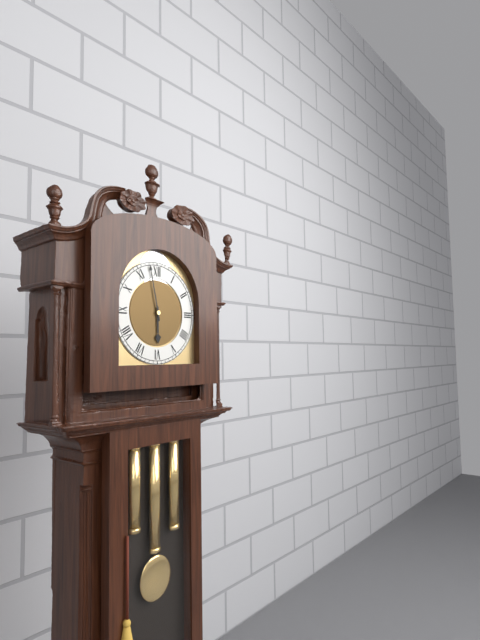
5.58
